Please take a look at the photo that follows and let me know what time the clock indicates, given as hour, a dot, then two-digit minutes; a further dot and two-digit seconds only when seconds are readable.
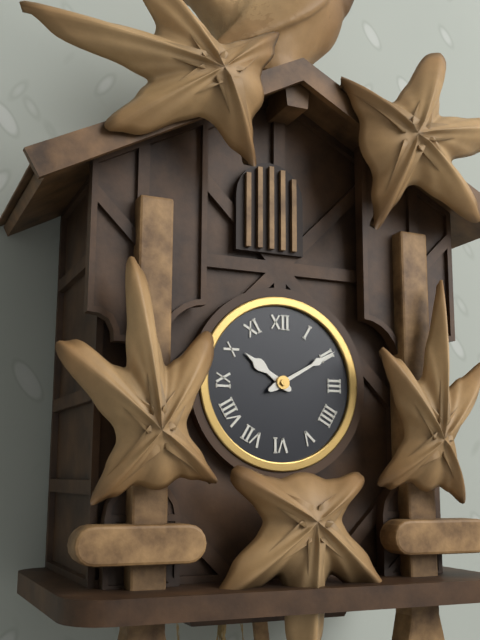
10.10
